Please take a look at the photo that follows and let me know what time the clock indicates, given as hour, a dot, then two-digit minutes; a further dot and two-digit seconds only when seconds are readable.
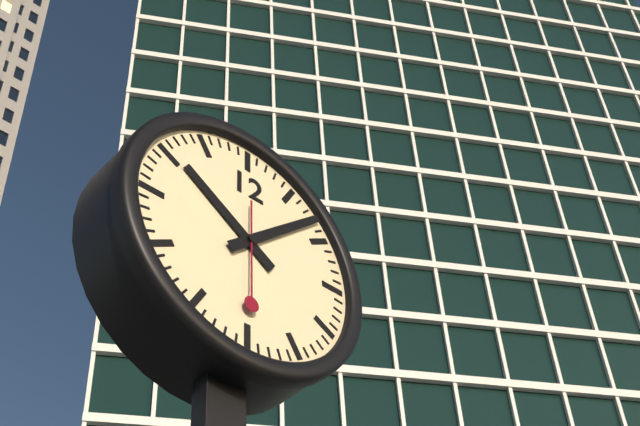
10.08.30
